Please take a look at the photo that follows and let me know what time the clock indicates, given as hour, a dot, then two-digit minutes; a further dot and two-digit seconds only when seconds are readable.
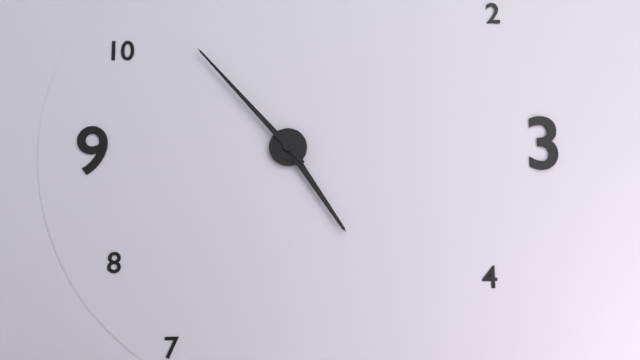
4.53
